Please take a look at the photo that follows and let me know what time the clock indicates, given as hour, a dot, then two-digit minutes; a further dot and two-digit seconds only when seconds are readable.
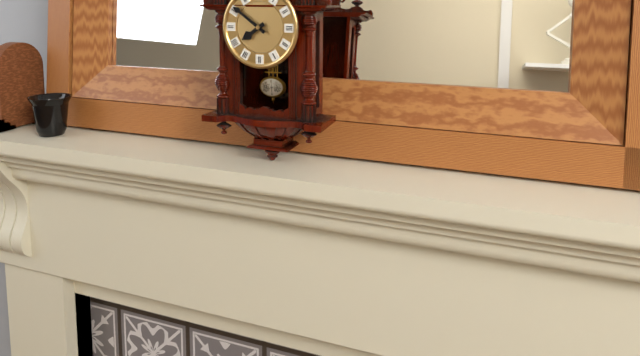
7.51
